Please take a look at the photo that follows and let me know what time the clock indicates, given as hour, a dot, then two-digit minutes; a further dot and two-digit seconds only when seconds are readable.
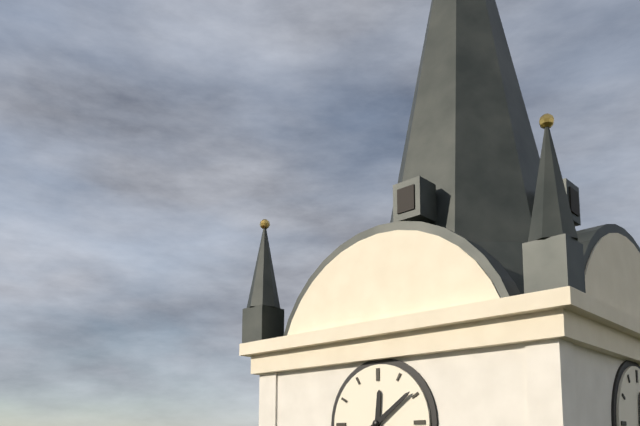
12.09
